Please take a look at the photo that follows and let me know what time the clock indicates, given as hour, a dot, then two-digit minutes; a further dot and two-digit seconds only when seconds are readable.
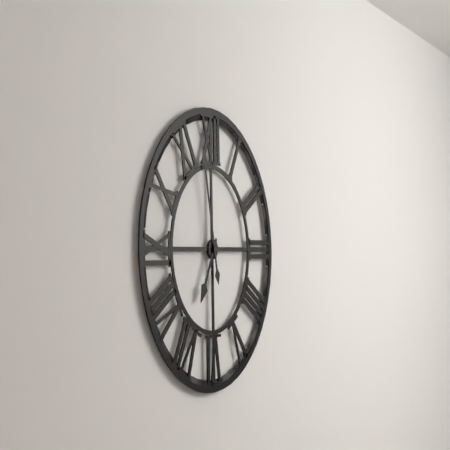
6.58
